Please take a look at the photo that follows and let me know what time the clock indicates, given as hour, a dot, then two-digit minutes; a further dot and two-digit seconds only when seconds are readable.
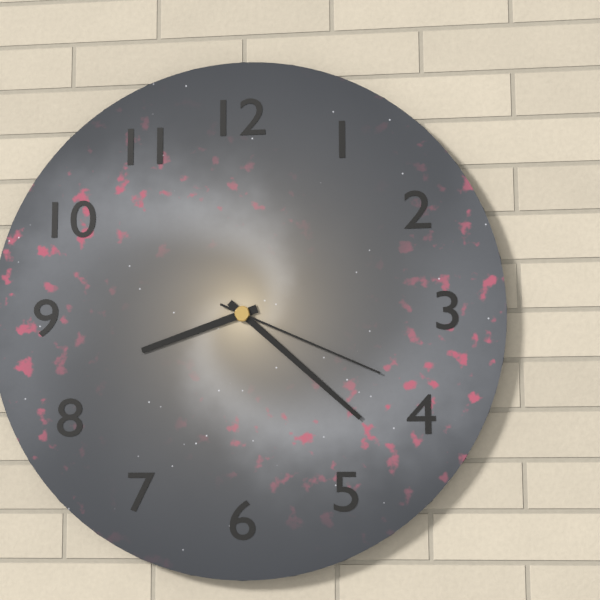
8.22.19
